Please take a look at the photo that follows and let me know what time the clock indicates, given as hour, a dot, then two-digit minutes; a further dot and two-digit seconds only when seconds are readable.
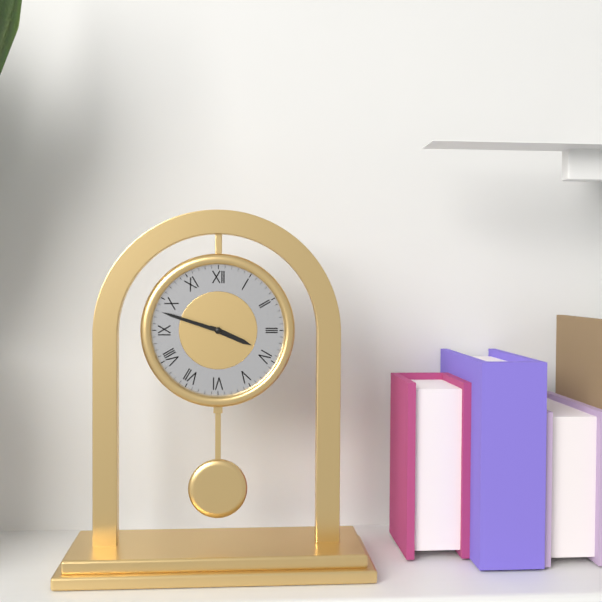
3.48
